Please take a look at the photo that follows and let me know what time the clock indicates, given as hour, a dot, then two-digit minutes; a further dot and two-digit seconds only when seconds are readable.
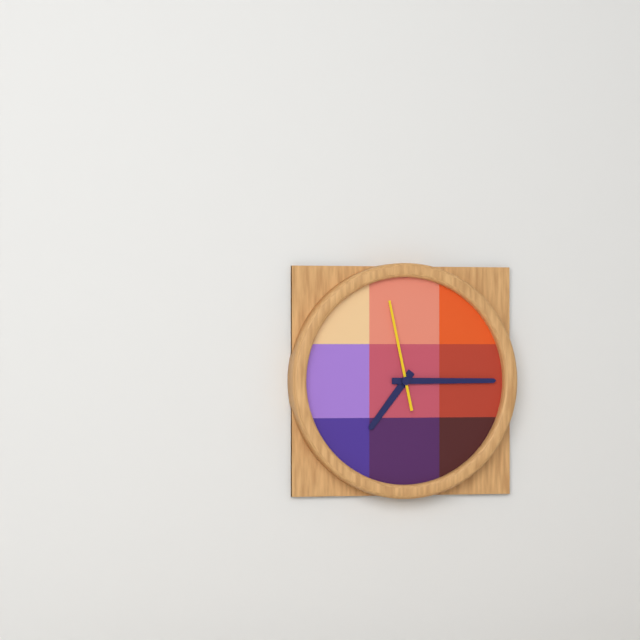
7.15.58
